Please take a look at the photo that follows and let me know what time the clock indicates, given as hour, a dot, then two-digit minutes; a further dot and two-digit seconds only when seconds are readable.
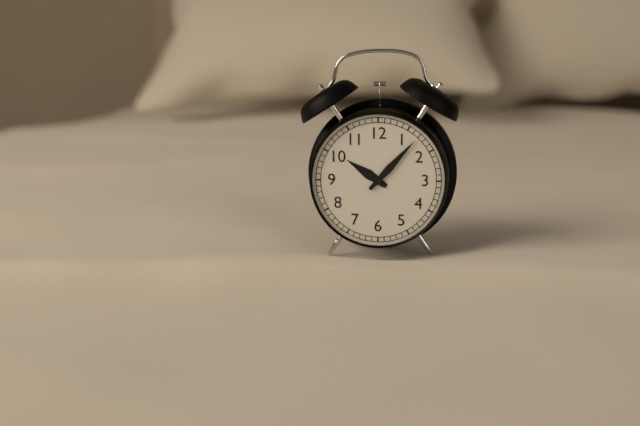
10.07
